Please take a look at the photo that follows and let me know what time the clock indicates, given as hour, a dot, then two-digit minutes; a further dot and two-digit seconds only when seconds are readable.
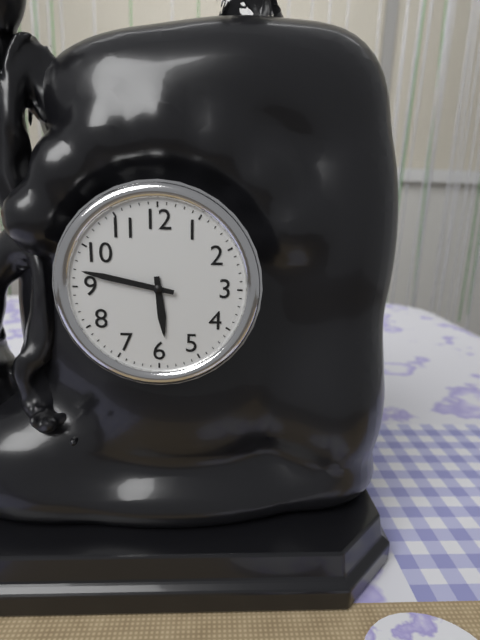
5.47
